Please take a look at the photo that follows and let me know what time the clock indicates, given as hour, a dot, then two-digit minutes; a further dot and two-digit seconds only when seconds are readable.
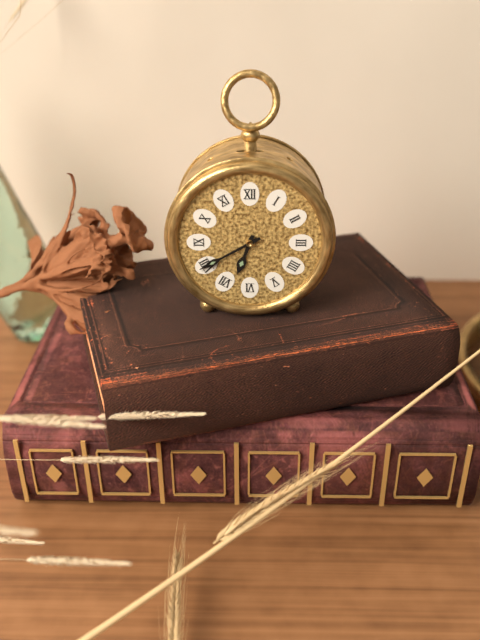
6.40
